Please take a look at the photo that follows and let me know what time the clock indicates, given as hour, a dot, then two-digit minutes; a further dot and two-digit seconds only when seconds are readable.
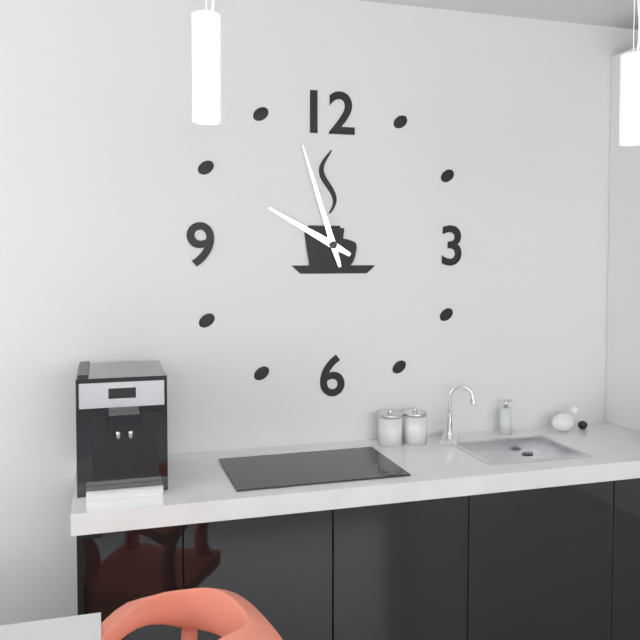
9.57
